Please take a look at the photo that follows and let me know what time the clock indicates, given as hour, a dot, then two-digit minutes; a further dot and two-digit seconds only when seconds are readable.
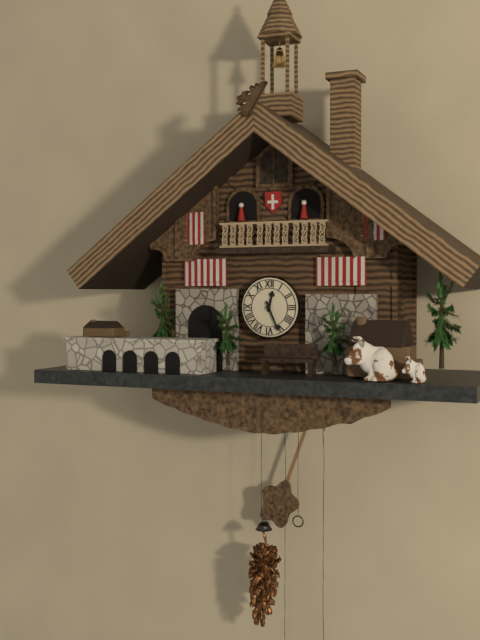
12.26
